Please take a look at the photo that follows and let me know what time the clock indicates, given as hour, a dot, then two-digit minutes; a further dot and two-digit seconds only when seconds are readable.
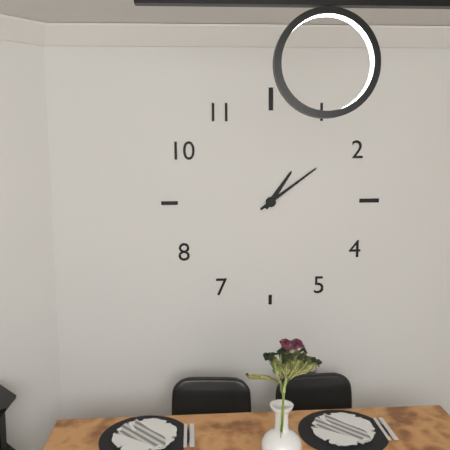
1.09
